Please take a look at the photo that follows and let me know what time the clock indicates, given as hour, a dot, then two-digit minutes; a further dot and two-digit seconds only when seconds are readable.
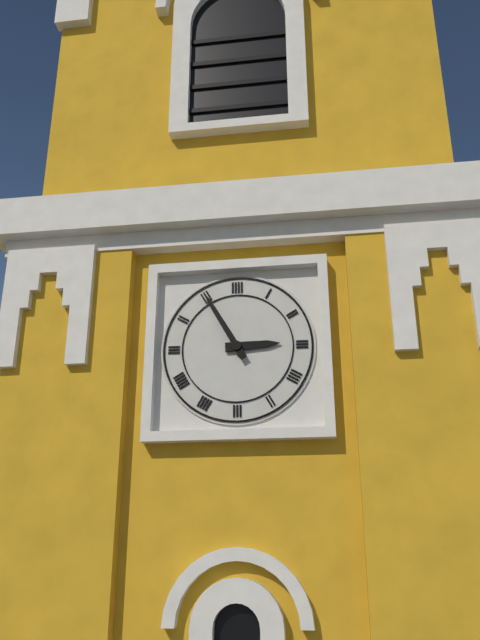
2.55
